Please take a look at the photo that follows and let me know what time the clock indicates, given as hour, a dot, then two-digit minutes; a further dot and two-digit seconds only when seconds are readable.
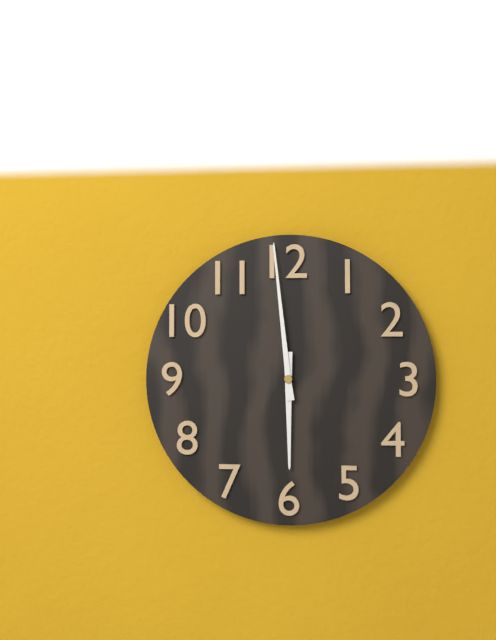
5.59
